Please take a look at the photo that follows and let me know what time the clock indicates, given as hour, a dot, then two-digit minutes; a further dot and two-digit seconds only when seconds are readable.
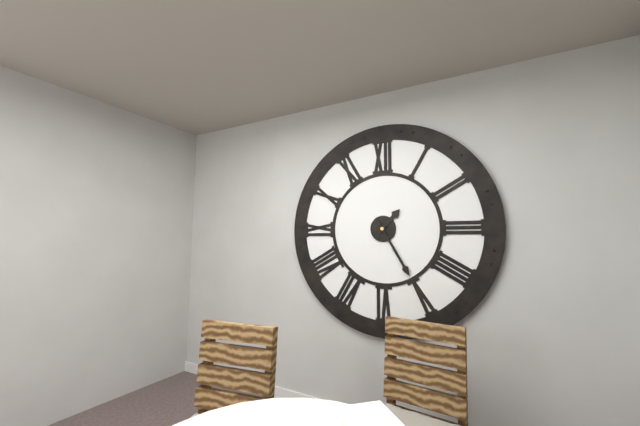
1.25
